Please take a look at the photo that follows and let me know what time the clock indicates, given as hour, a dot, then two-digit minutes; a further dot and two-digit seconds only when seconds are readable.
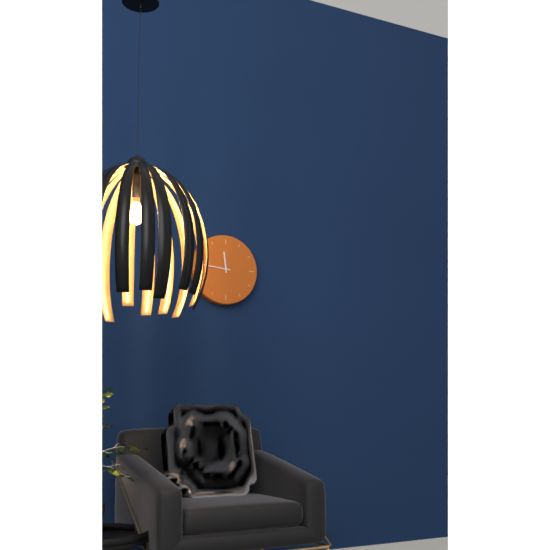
11.46
